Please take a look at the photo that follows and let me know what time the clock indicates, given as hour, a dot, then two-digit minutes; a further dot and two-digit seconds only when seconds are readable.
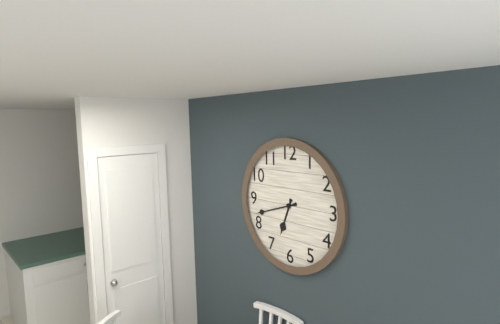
6.42
